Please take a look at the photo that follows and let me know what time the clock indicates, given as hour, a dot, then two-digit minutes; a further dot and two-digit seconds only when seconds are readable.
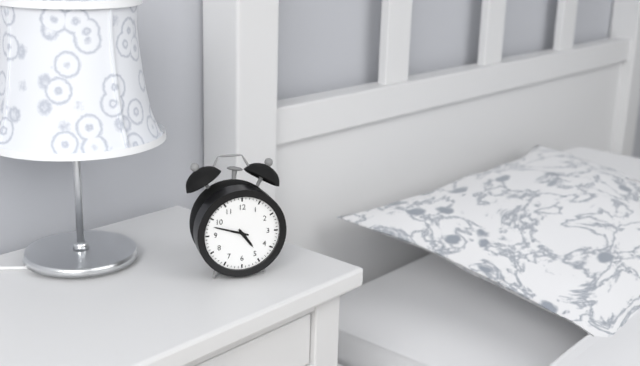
4.48
